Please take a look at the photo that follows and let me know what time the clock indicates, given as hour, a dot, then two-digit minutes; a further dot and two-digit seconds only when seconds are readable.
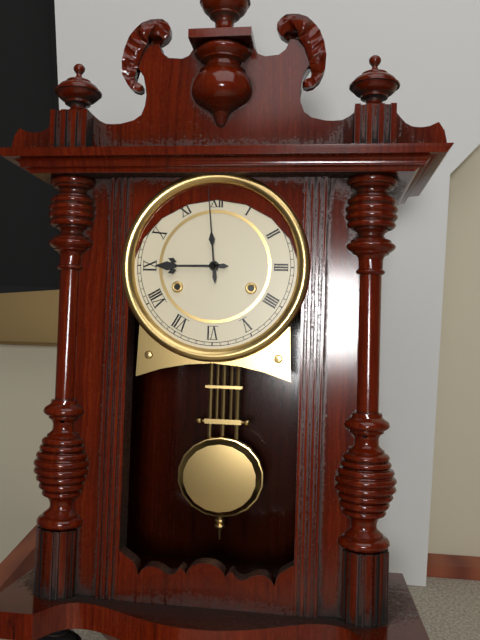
8.59
